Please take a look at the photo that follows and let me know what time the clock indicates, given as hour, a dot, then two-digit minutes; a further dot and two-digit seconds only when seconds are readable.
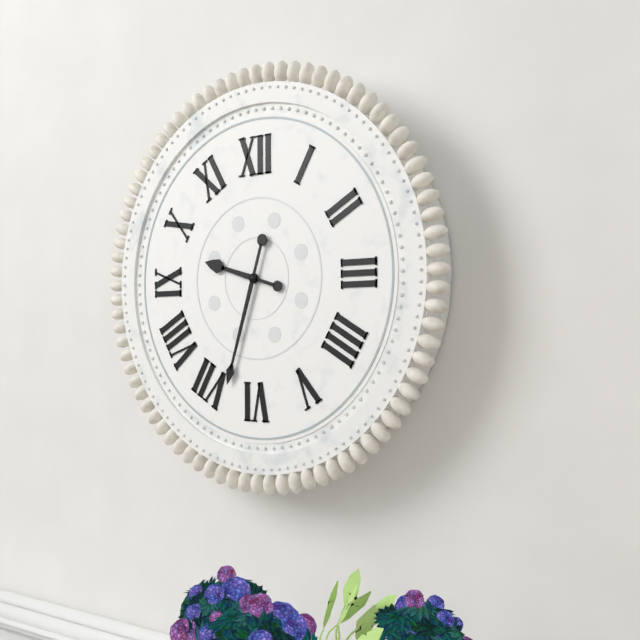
9.33
